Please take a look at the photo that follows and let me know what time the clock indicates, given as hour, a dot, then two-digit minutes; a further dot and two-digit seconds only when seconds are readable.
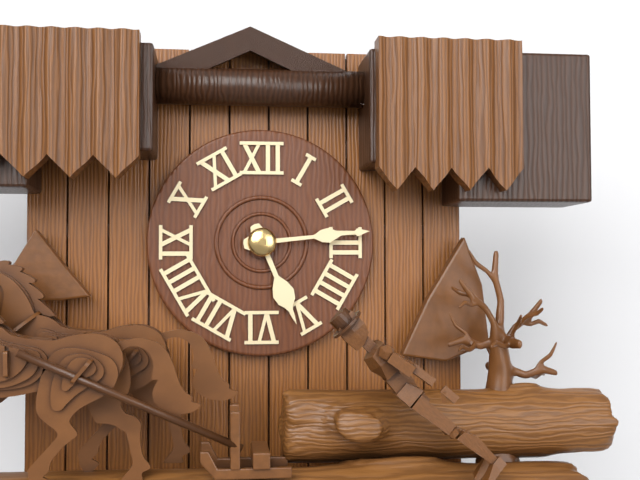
5.14
